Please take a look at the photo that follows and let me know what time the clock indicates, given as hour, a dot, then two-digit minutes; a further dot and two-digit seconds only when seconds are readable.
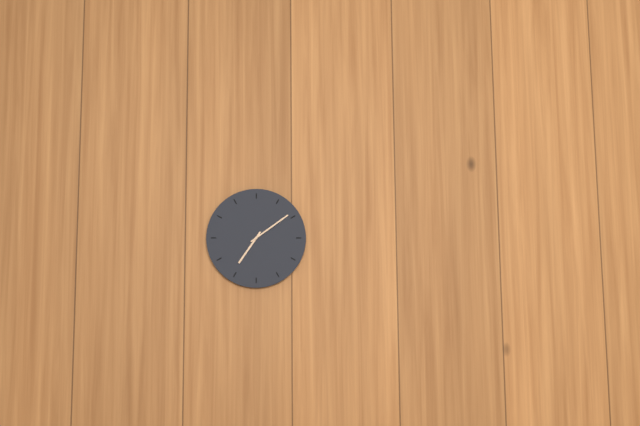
7.09
